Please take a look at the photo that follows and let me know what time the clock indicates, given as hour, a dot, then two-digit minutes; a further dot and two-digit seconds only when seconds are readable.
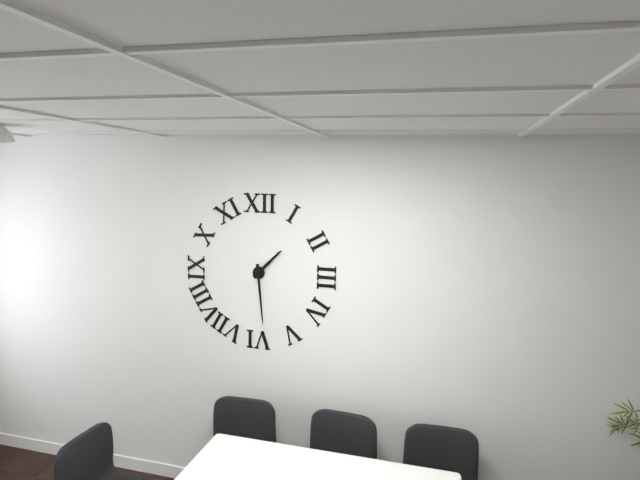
1.29
